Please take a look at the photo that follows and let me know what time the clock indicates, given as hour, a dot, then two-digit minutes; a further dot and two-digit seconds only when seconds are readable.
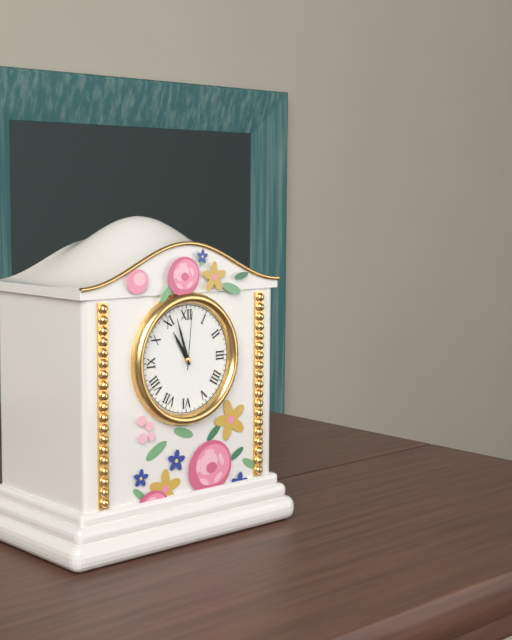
10.57.01
